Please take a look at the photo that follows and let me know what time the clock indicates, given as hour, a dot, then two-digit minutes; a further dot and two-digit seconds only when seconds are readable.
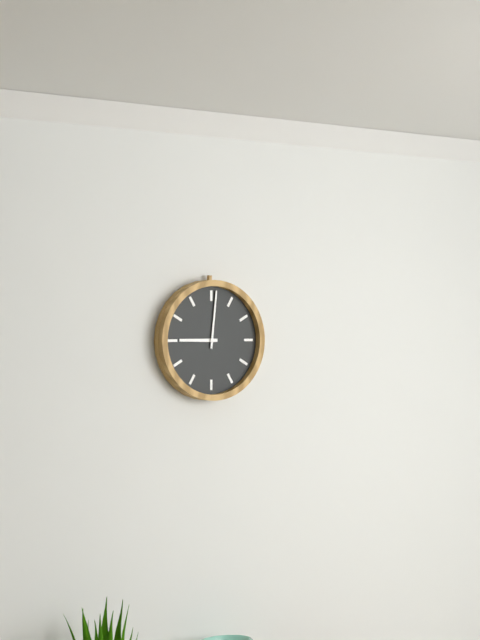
9.01
